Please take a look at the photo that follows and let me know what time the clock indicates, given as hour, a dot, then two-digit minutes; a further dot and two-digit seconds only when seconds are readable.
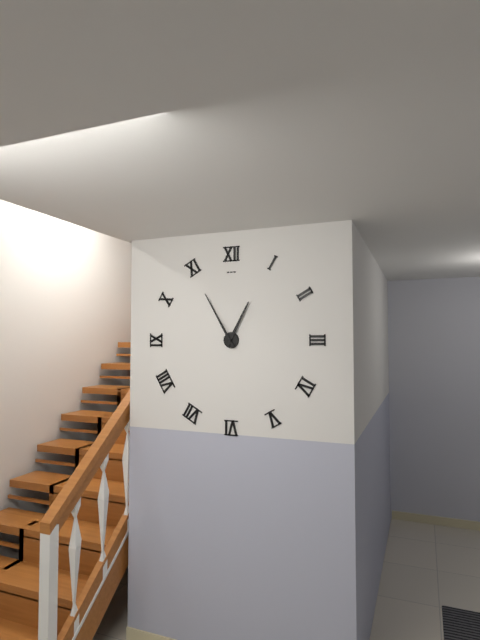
12.55
